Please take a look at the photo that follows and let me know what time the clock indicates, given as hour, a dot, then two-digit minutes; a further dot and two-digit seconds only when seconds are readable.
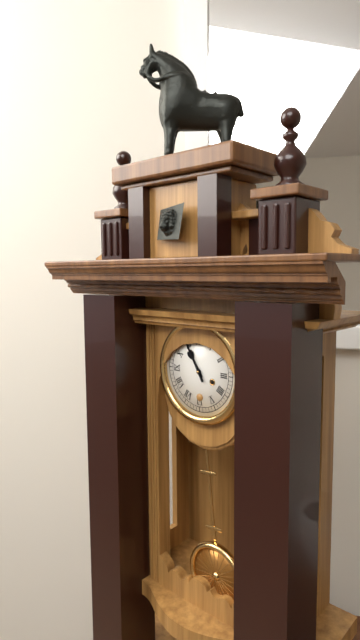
10.55
